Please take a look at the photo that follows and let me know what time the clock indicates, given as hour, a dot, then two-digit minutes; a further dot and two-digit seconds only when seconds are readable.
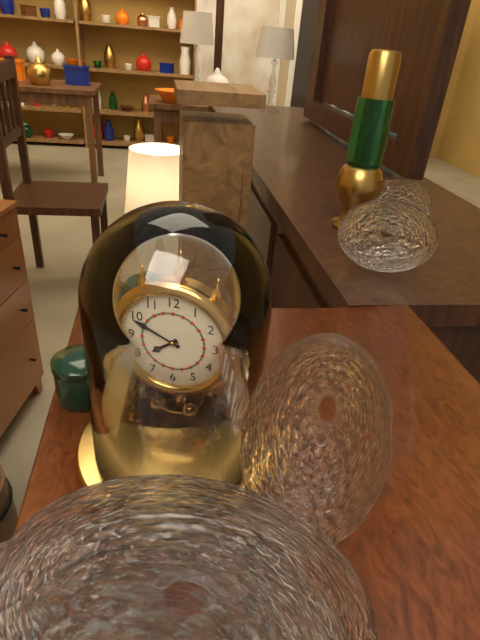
7.49
